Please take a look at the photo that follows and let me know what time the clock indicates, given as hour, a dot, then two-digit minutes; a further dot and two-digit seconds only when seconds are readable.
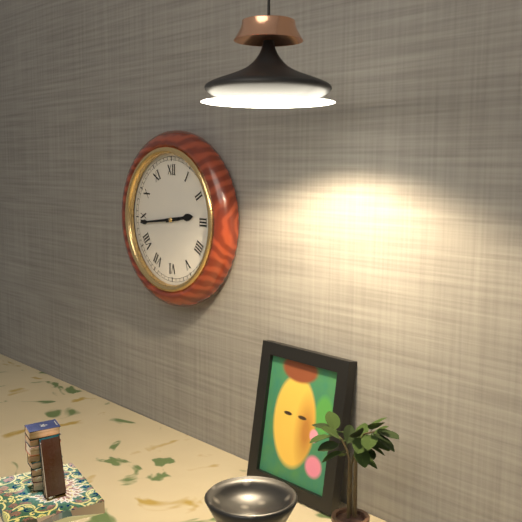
2.44
